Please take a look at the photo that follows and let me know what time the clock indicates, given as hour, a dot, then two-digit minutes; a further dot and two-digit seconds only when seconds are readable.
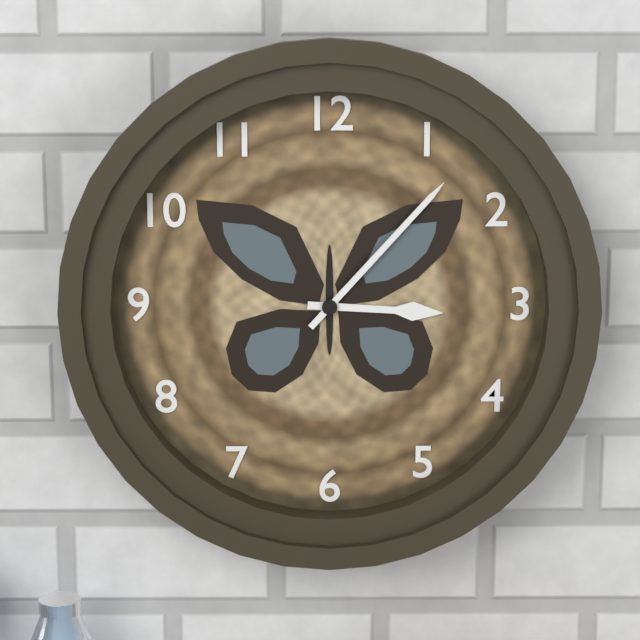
3.07
